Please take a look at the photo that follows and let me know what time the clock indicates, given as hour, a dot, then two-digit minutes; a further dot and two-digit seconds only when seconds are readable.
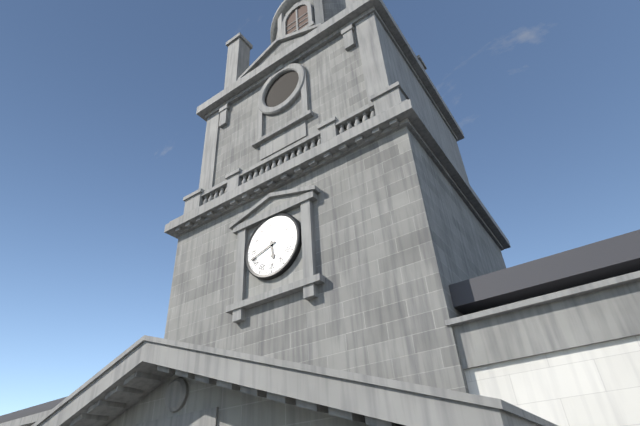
5.42
